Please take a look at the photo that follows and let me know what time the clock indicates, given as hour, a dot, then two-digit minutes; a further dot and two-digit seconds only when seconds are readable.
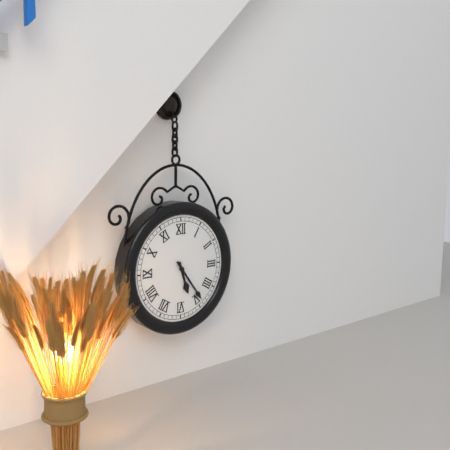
5.24
